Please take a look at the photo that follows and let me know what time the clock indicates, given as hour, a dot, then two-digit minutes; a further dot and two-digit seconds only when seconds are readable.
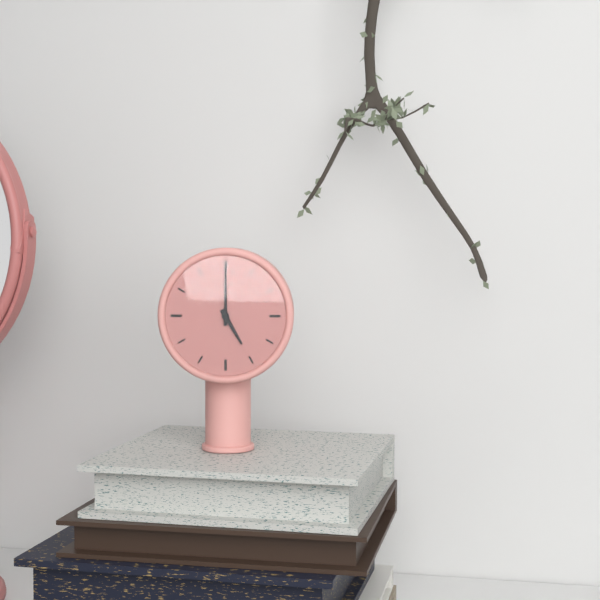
5.00
